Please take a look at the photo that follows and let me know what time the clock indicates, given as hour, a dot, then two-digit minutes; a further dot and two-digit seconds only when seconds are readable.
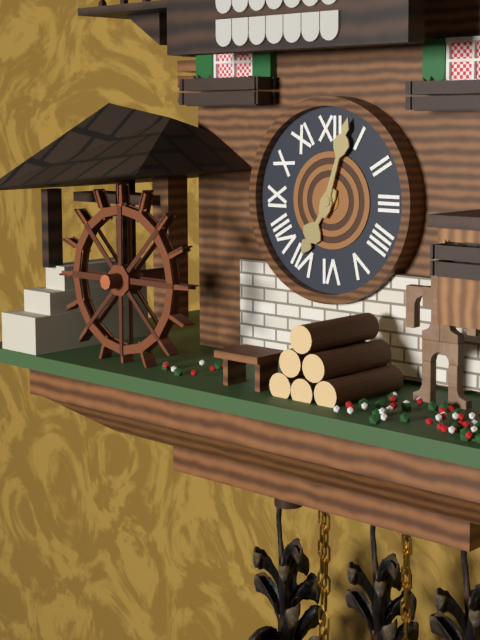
7.03
